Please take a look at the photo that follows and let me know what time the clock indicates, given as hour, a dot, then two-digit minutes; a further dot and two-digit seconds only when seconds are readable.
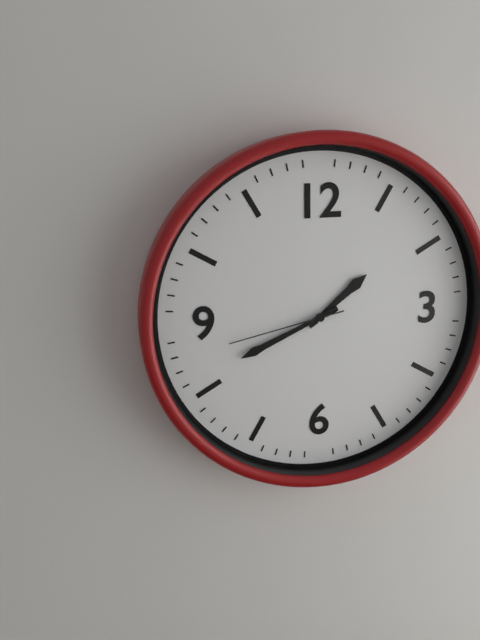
1.41.43
